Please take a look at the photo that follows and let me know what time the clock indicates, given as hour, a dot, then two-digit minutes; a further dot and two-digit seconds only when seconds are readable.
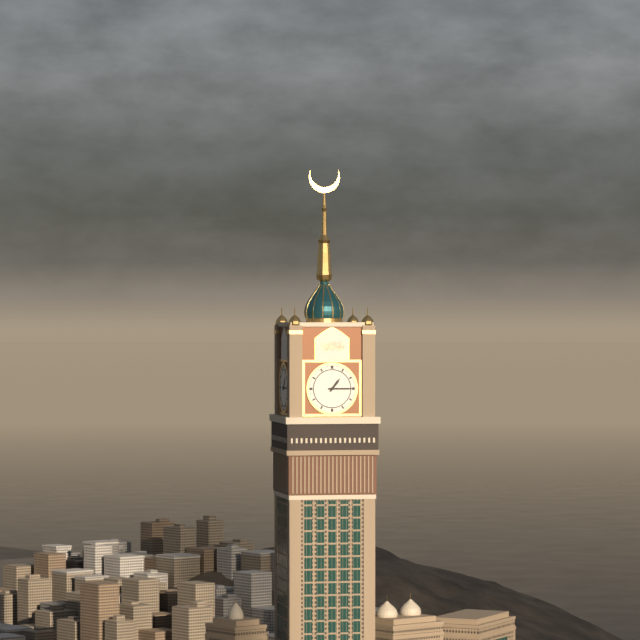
1.15
